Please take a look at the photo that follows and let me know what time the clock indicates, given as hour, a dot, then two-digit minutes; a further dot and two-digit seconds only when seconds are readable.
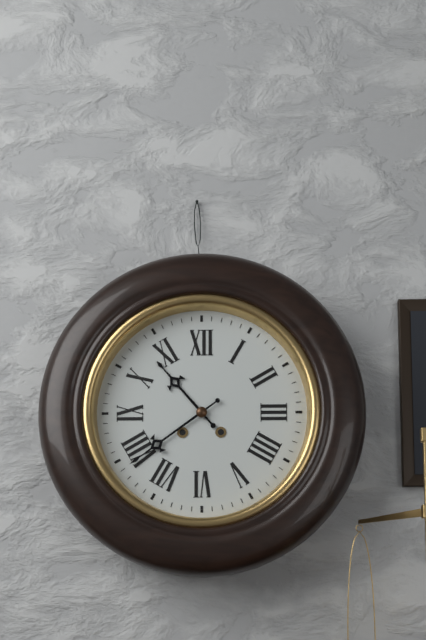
10.39
